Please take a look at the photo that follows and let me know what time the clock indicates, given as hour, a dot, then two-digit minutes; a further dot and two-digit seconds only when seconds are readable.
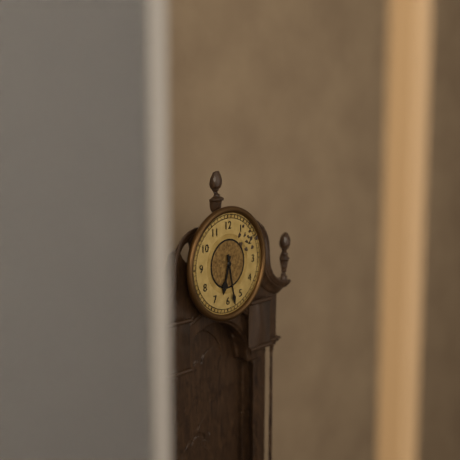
6.28
